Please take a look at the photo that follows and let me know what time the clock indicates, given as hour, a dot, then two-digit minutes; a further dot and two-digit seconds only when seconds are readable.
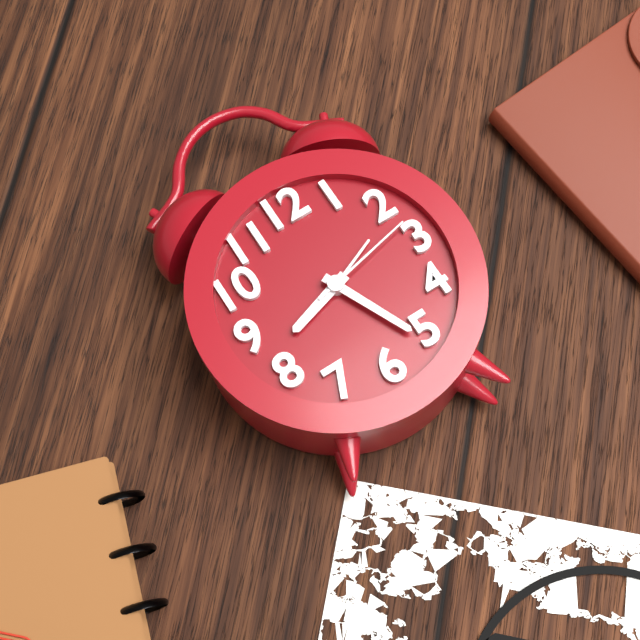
8.26.13
